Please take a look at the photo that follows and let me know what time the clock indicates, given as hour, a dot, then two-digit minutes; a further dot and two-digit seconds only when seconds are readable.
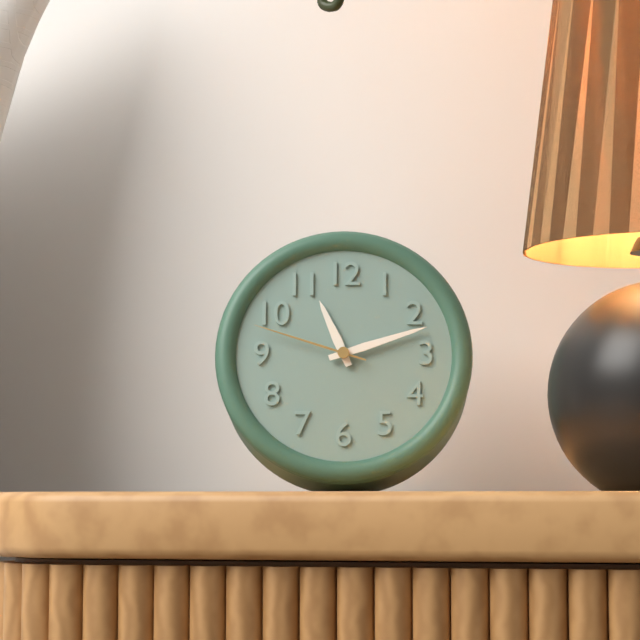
11.12.48
